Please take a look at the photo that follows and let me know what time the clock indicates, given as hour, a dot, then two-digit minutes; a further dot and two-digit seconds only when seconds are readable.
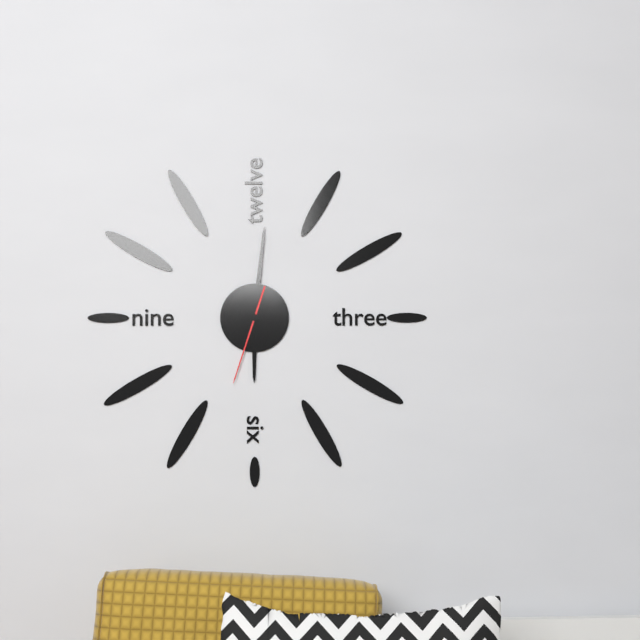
6.01.33
